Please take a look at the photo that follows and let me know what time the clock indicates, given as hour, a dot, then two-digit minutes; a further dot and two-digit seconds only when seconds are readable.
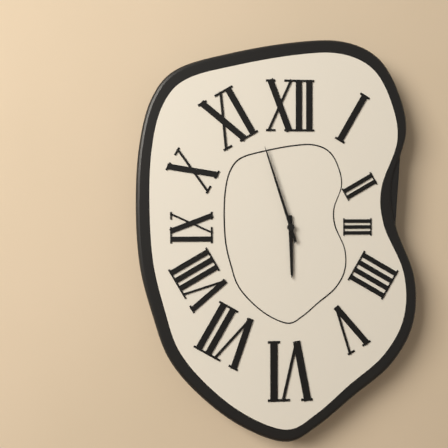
5.57
